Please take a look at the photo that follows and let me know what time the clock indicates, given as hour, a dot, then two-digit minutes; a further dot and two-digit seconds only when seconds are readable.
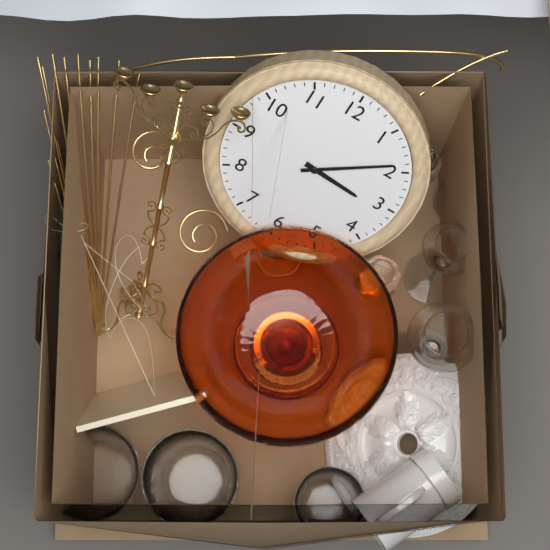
3.09
